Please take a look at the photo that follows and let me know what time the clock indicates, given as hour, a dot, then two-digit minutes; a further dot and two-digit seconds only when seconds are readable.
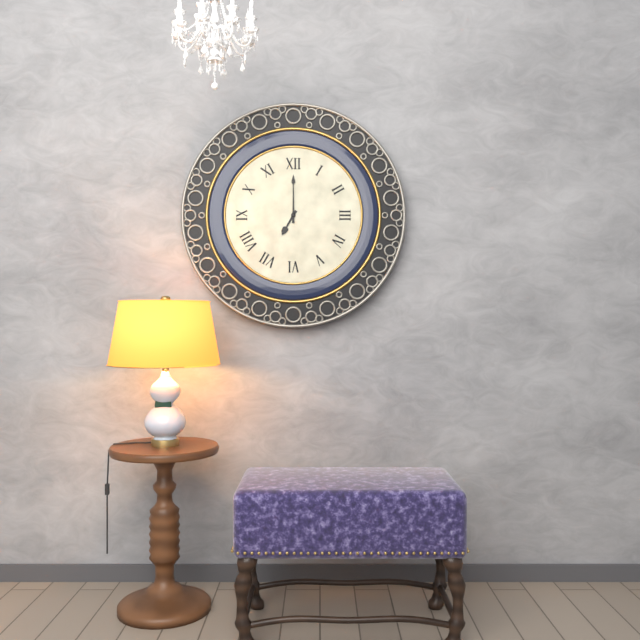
7.00
